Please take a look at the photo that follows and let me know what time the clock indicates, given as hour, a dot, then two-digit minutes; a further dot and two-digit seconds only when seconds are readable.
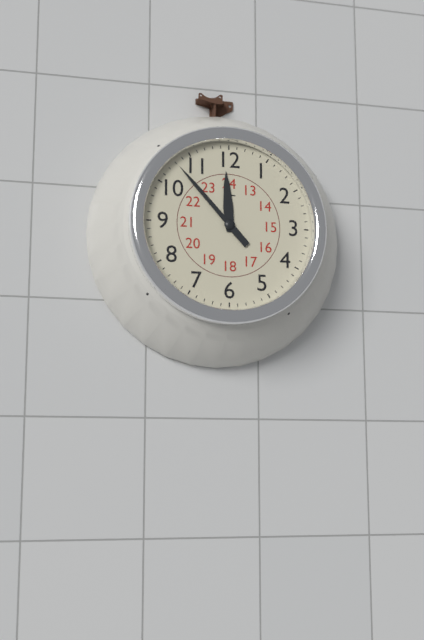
11.53
